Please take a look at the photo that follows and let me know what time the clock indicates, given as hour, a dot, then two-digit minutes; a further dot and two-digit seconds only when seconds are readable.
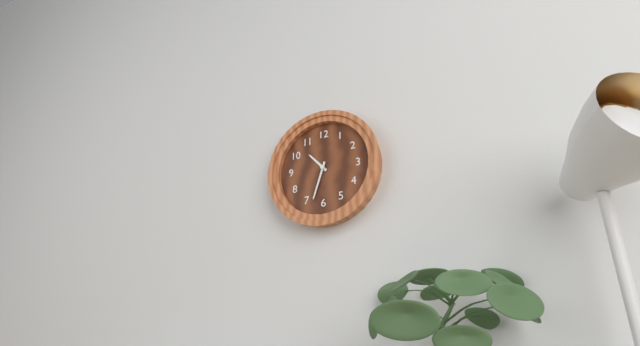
10.33
